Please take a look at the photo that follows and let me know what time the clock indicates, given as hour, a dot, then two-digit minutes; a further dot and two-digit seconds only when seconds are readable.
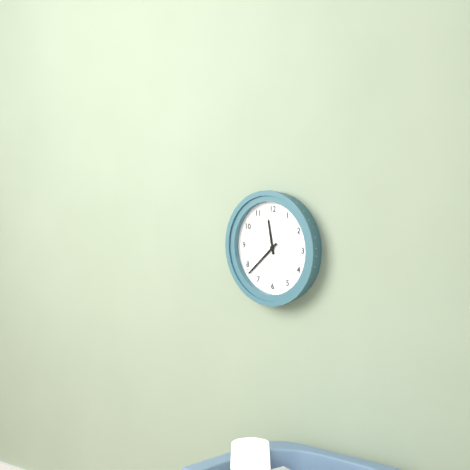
11.38
